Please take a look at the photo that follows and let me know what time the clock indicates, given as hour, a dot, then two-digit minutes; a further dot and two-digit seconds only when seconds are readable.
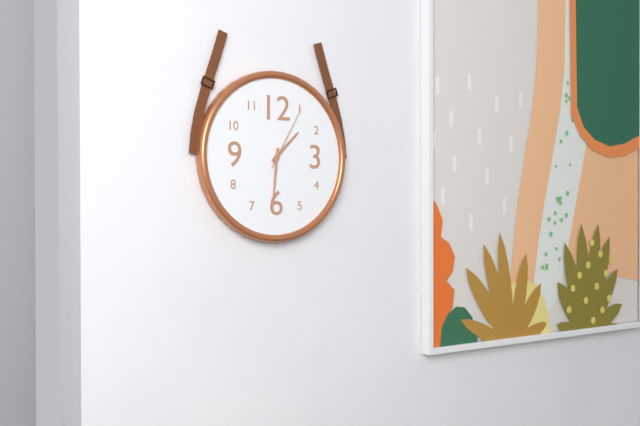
1.31.05
